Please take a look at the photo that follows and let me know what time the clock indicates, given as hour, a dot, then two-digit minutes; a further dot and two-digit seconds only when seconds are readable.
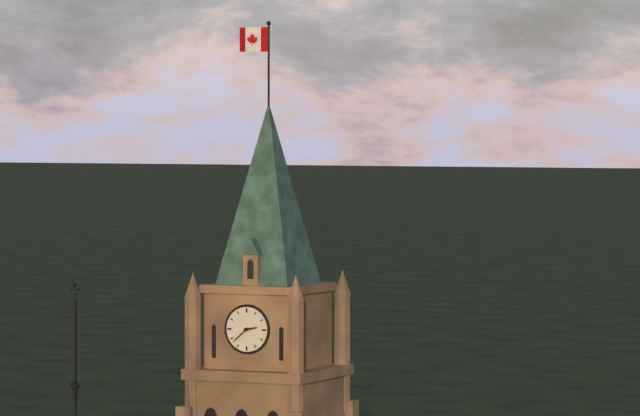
2.38
